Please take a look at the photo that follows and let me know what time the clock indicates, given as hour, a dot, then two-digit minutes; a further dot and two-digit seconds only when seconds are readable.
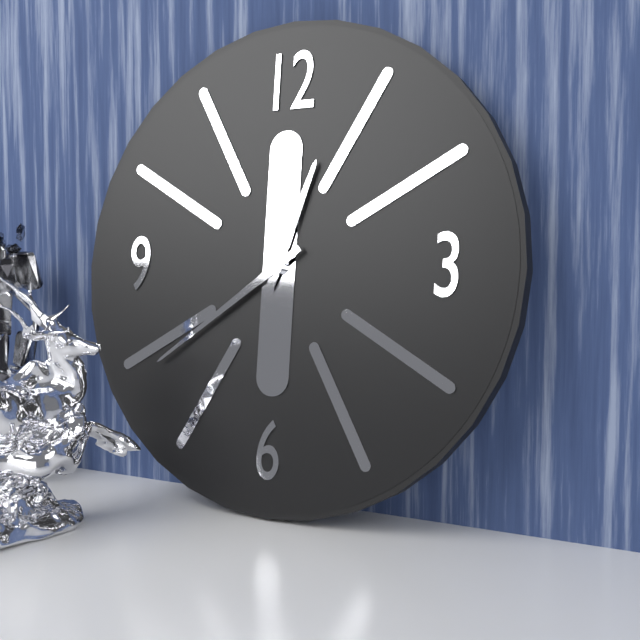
12.39
